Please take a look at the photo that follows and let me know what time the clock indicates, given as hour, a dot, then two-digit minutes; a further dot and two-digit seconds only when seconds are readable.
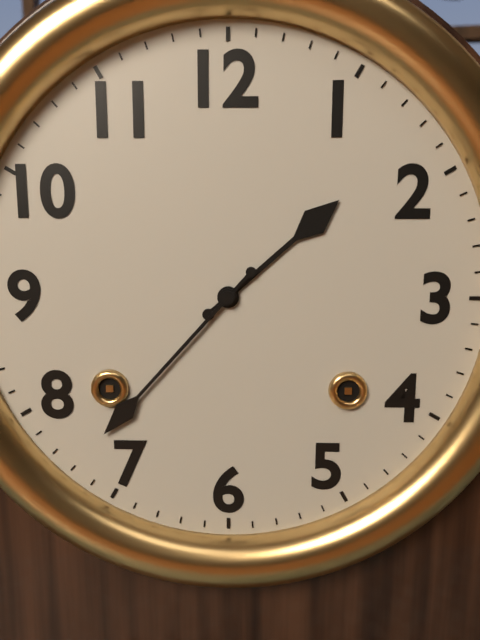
1.37
